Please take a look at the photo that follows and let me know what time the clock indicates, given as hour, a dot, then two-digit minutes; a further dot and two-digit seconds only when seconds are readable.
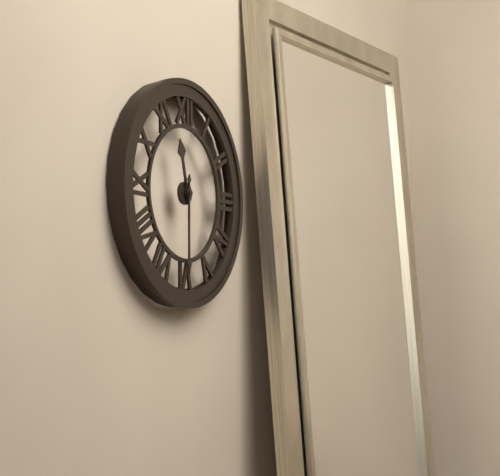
11.30
